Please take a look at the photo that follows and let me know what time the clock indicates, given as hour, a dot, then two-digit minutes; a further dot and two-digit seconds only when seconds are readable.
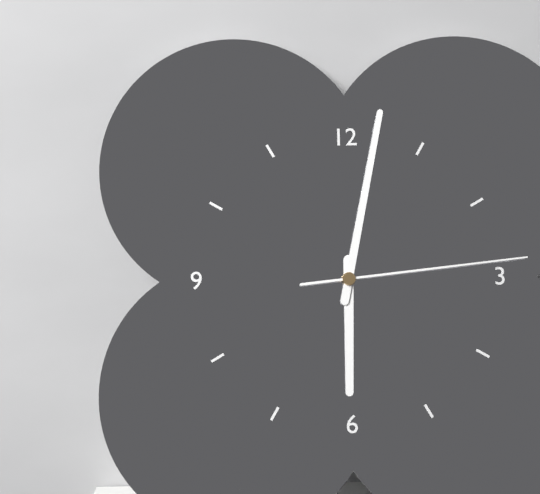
6.02.14
